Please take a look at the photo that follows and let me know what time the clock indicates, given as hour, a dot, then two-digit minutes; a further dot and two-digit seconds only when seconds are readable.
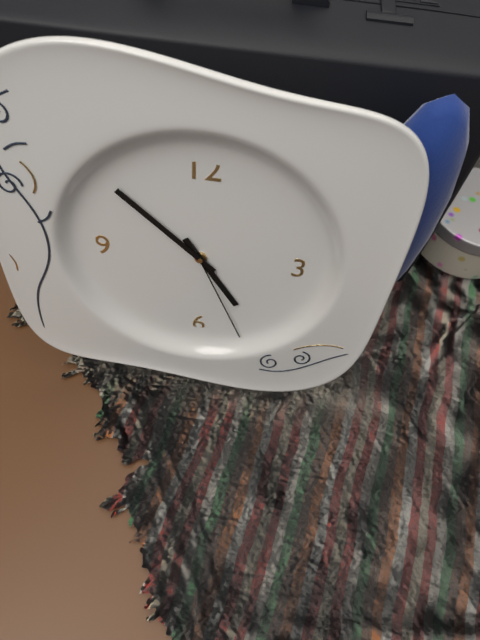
4.52.26
